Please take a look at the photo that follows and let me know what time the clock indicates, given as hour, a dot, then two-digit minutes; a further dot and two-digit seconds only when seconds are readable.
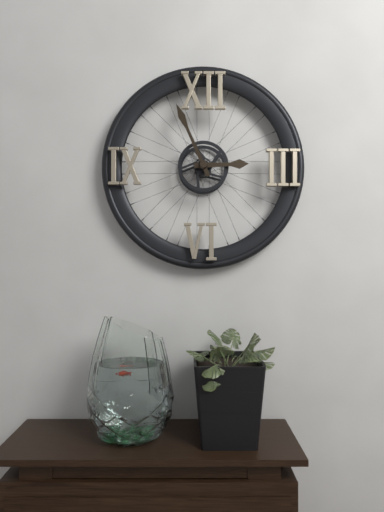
2.56
